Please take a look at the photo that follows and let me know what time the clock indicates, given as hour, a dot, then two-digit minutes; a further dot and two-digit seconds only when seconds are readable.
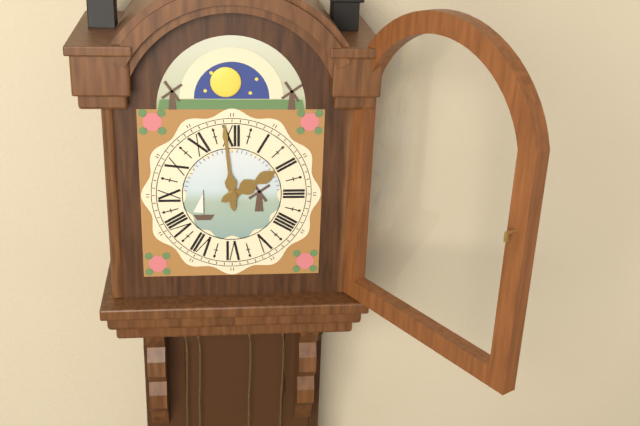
1.59
